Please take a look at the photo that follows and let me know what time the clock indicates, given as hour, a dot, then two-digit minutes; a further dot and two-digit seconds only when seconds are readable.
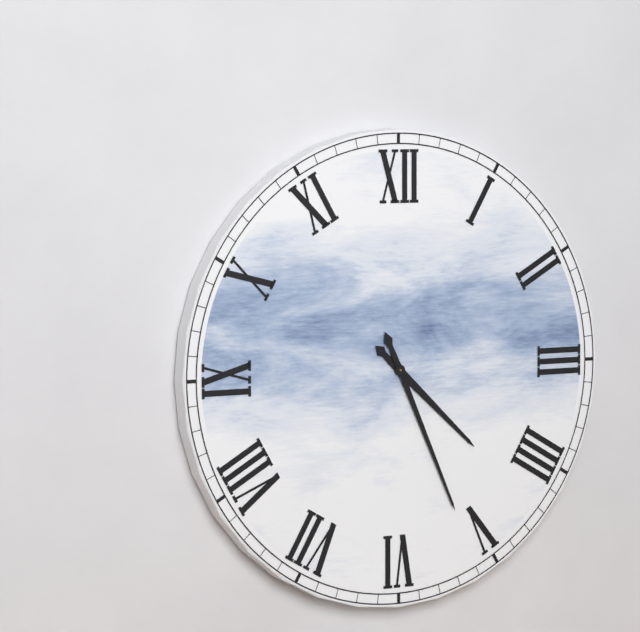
4.26
